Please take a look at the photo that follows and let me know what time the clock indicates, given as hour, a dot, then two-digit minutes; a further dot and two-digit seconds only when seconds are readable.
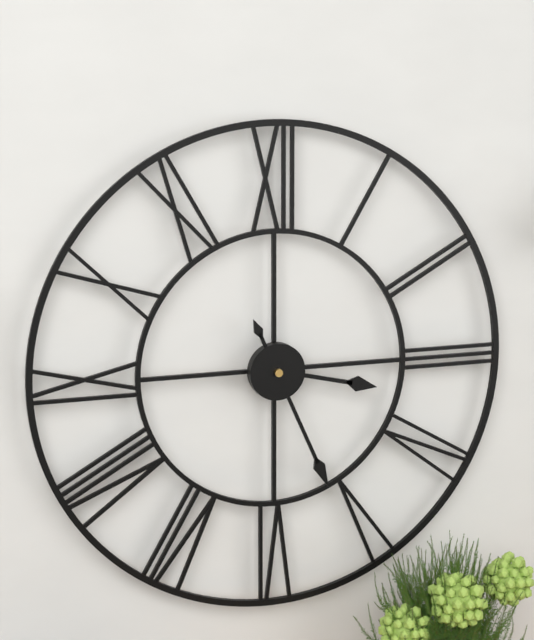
3.26
